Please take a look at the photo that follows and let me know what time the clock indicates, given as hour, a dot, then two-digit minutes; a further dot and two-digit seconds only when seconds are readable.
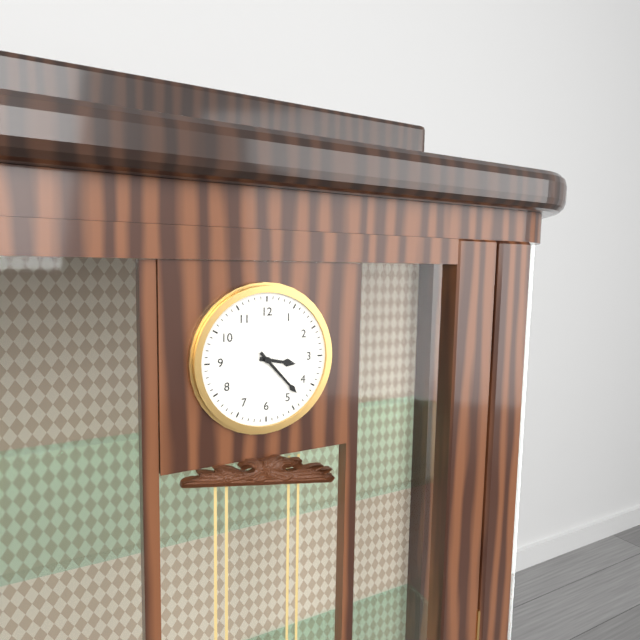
3.23
